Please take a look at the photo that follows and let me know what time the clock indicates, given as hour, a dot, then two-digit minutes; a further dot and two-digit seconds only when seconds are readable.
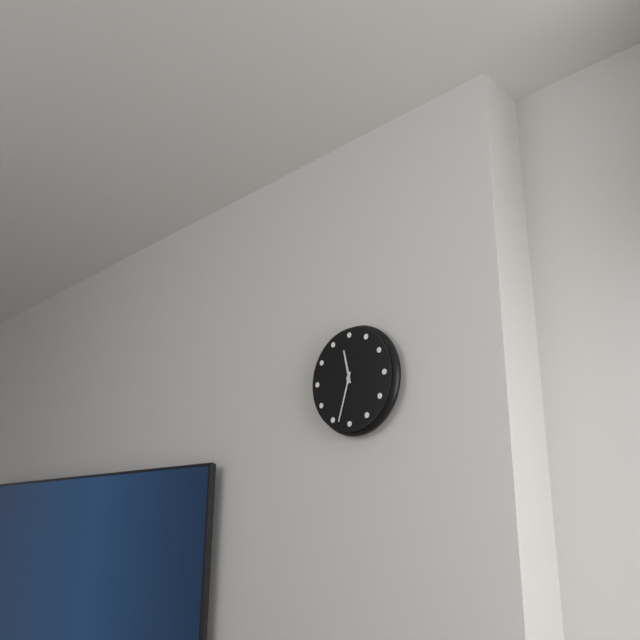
11.33
